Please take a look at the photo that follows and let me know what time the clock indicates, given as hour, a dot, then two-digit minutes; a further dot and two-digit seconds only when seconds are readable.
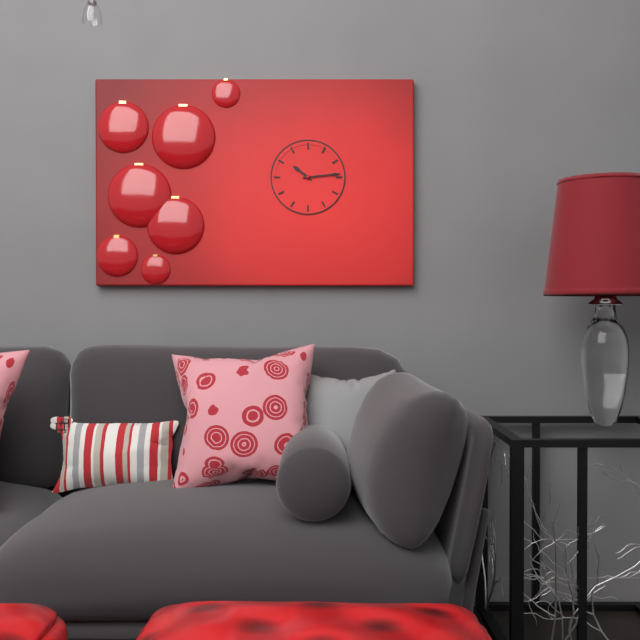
10.14
